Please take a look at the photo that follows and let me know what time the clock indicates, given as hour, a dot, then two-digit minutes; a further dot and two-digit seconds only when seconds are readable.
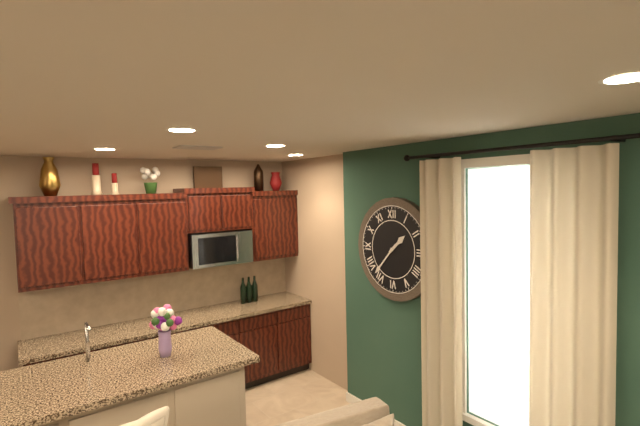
1.37
